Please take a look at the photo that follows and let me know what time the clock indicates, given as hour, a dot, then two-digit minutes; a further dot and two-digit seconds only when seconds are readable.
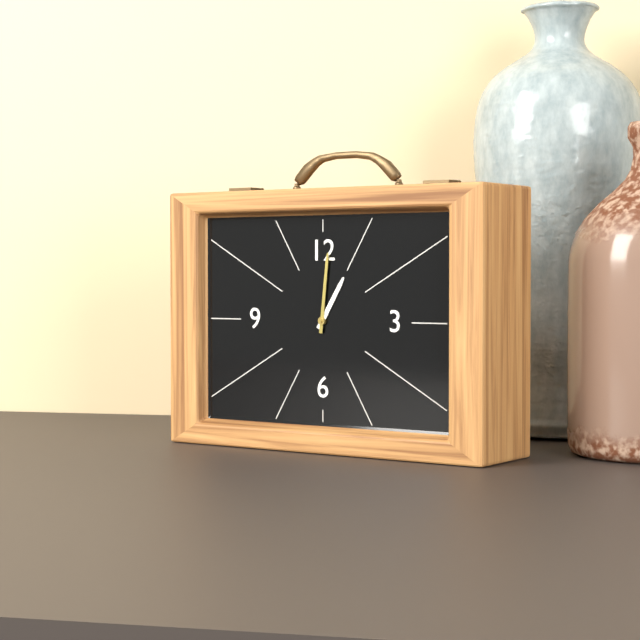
1.01
